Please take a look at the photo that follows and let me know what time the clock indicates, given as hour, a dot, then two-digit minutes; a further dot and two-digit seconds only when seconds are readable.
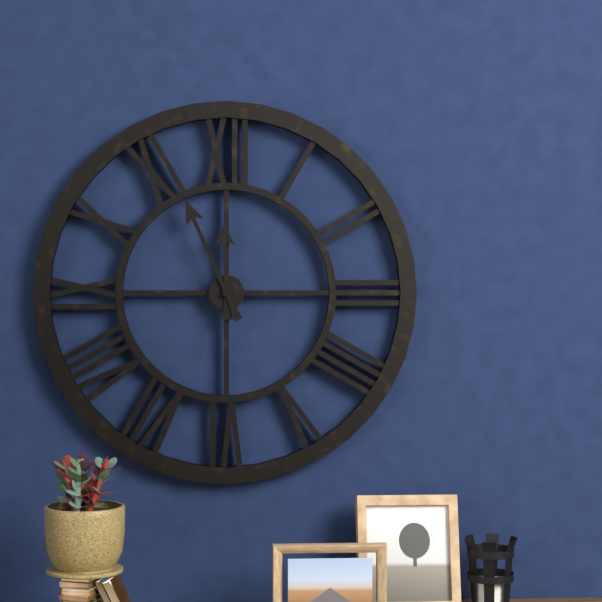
11.56
